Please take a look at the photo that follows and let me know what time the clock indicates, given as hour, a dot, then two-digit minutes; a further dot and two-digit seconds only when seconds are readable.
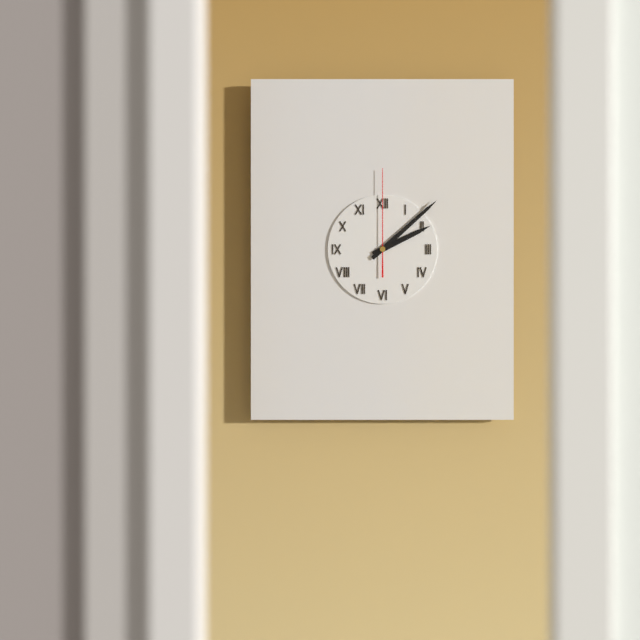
2.08.00
